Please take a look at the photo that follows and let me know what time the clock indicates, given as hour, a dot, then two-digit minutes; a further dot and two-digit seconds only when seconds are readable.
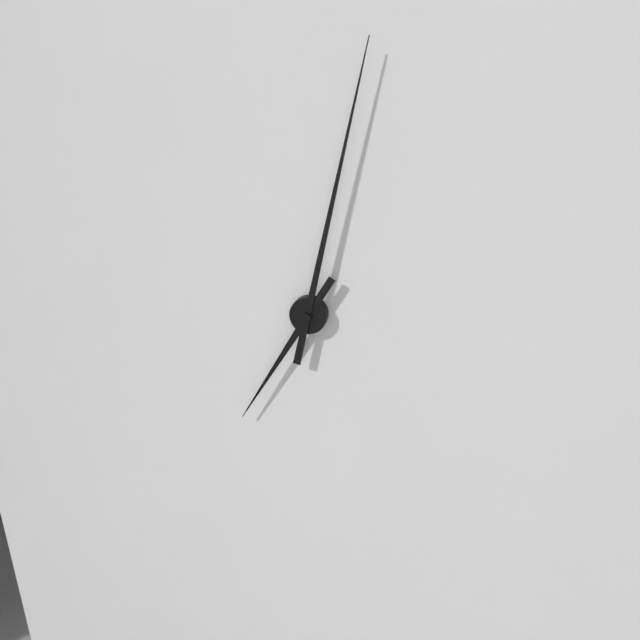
7.02
